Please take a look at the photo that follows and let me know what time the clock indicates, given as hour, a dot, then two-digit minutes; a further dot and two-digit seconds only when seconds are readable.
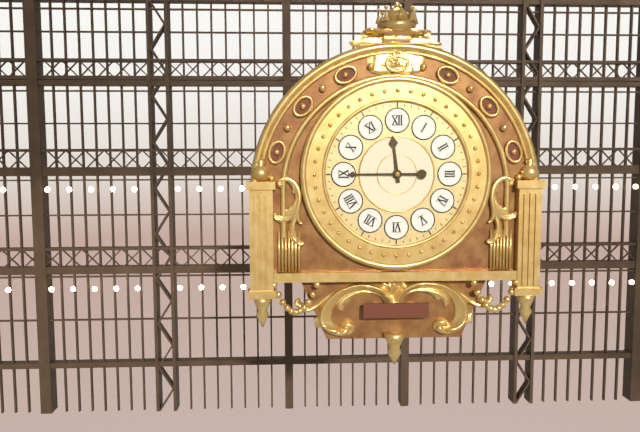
11.45
